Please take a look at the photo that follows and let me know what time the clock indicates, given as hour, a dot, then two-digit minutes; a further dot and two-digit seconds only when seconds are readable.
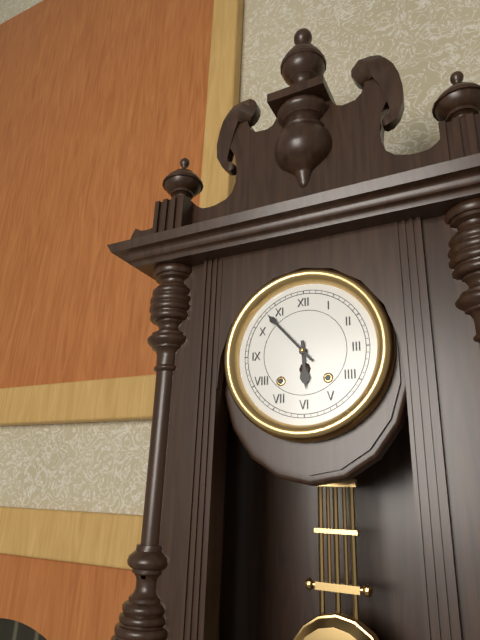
5.53
